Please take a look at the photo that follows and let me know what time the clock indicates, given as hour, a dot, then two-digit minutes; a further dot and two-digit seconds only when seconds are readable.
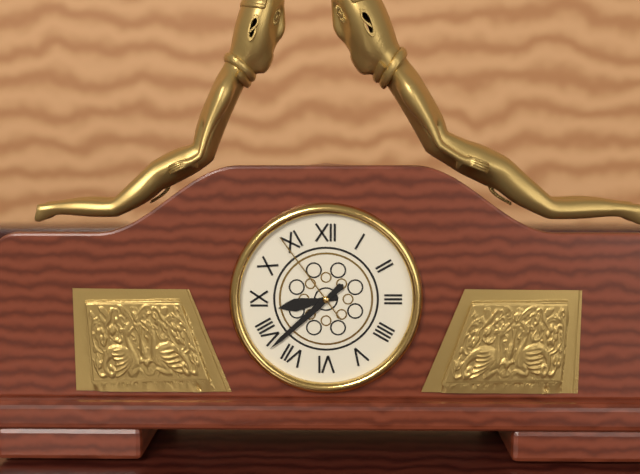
8.38.54
